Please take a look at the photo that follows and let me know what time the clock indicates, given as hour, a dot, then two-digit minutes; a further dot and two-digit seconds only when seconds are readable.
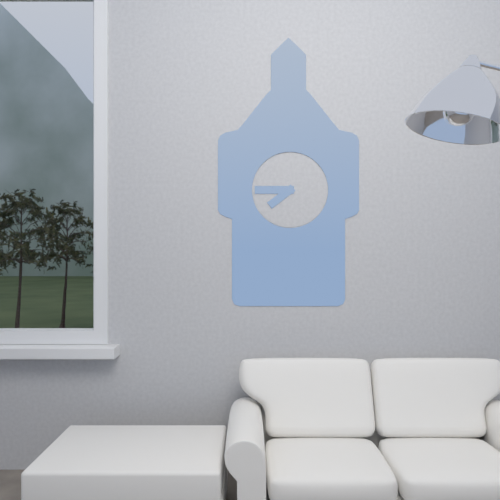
7.45
